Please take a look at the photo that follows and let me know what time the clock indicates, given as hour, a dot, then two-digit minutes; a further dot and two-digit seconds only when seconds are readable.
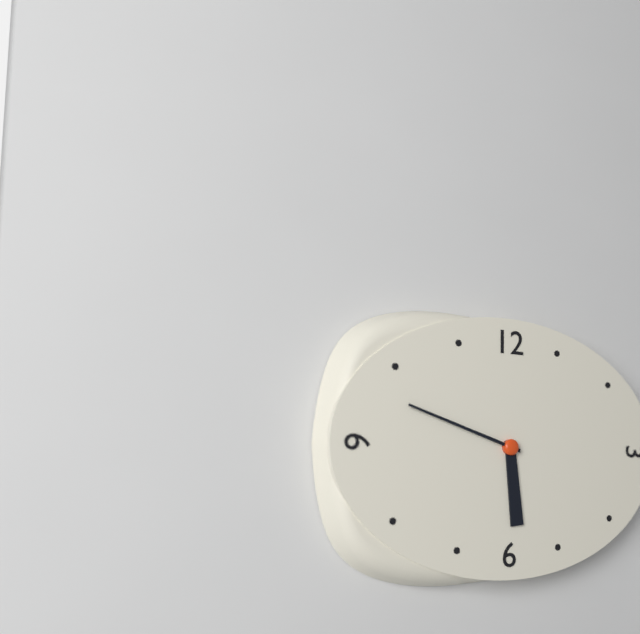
5.48
